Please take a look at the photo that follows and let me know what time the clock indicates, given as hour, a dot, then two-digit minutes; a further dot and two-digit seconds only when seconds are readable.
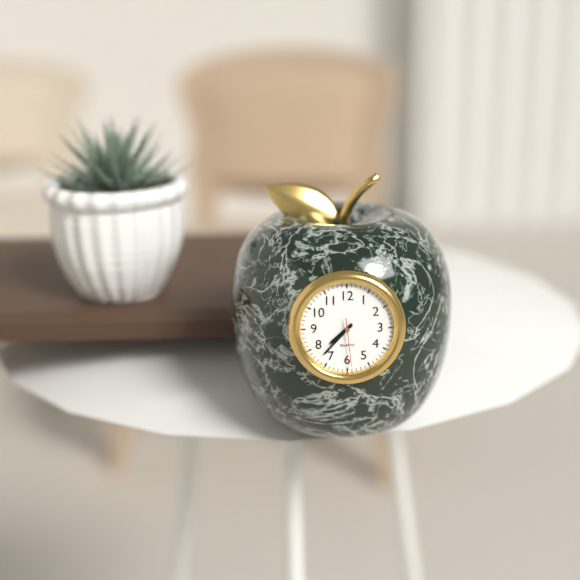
7.37
